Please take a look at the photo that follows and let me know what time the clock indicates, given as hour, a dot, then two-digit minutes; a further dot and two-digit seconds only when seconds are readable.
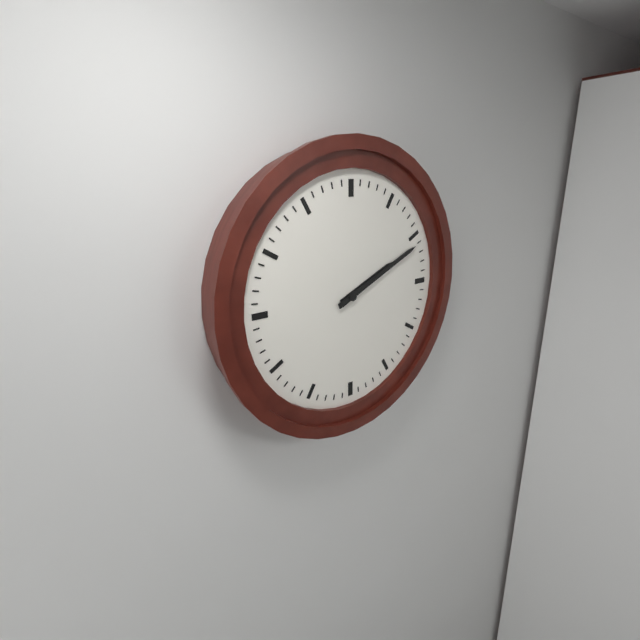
2.11
